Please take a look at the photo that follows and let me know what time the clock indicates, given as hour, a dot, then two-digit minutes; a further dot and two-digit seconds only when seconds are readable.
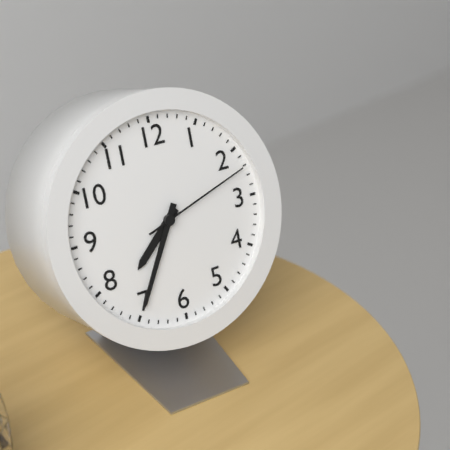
7.35.12
